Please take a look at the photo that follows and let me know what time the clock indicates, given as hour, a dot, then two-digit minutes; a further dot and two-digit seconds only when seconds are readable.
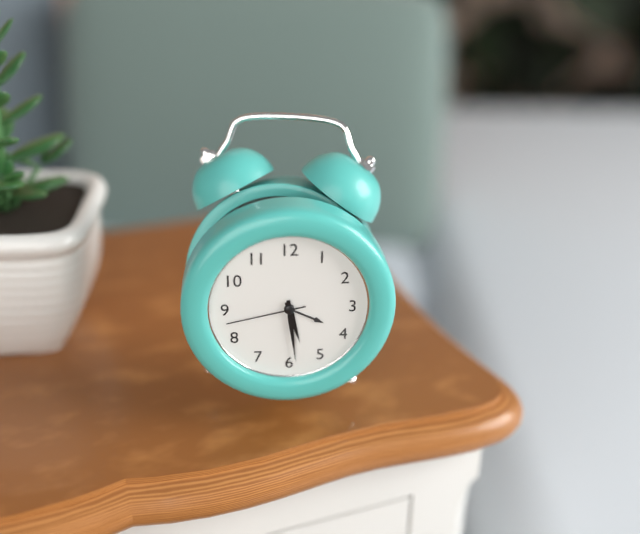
5.29.43
